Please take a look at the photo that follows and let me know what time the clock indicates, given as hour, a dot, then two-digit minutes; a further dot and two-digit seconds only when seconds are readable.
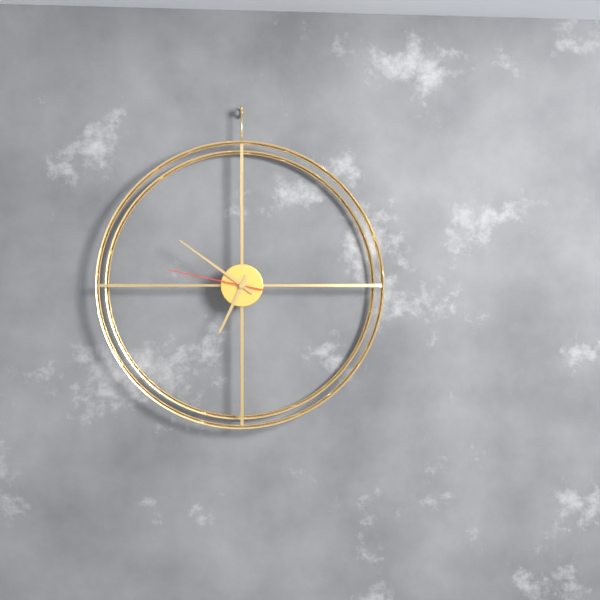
6.51.47
